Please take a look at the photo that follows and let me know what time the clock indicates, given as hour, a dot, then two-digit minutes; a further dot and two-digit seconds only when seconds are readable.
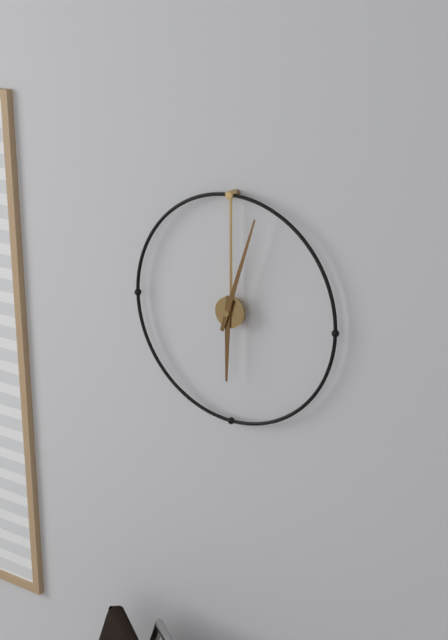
6.03
